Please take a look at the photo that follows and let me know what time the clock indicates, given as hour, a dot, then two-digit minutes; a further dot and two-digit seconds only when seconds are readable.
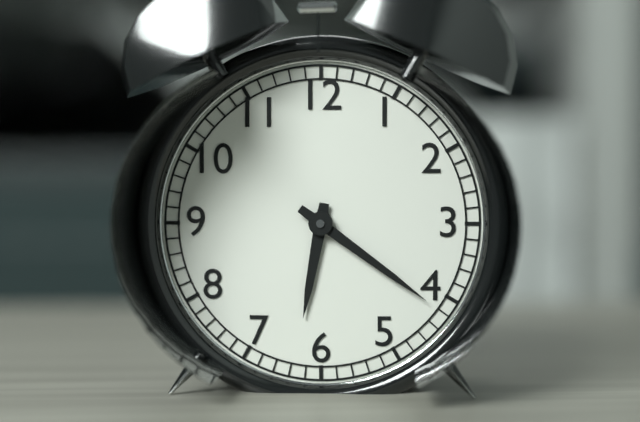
6.21
